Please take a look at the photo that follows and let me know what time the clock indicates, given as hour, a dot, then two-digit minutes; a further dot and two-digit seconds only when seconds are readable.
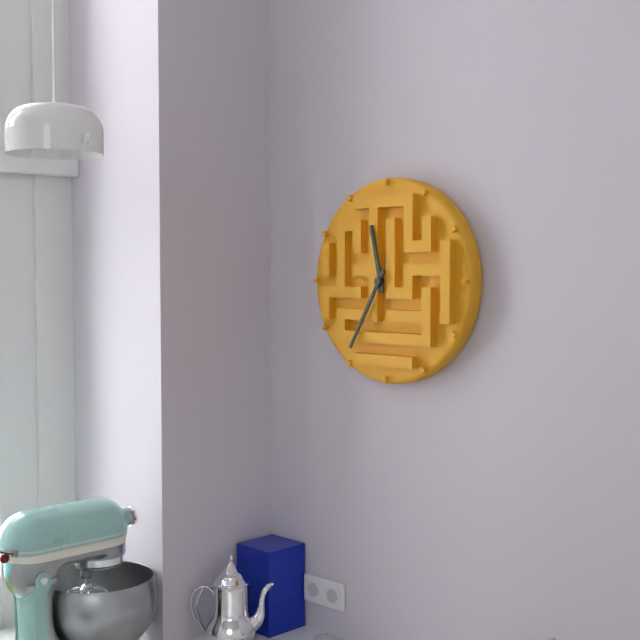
11.35
